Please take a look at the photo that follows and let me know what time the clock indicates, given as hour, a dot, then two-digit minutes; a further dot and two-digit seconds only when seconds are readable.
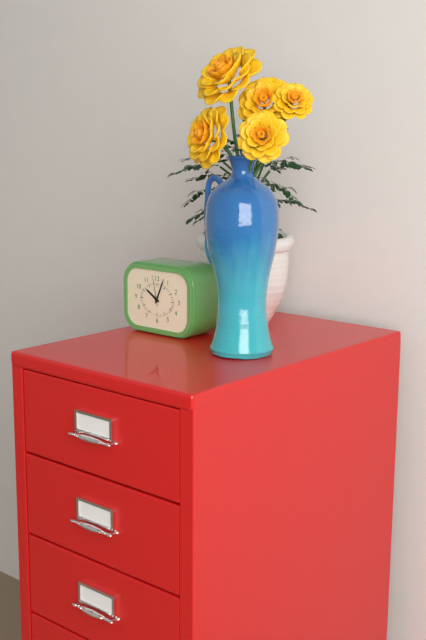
10.04
